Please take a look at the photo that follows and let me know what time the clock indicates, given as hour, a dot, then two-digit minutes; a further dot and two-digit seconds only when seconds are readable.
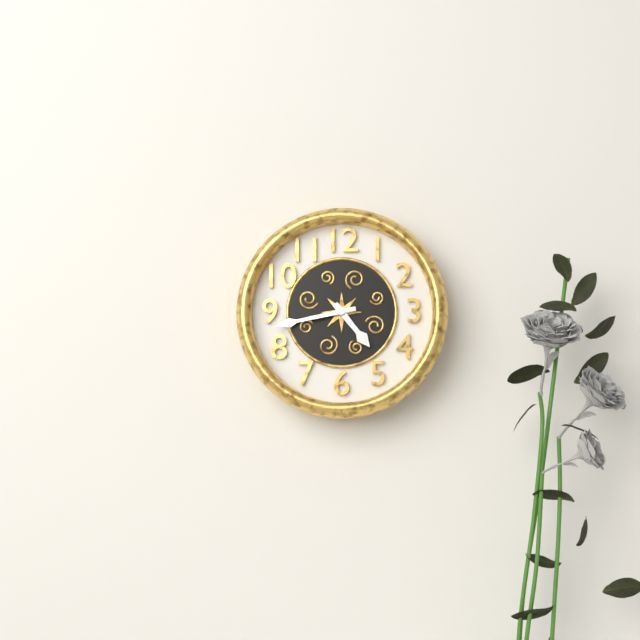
4.43
